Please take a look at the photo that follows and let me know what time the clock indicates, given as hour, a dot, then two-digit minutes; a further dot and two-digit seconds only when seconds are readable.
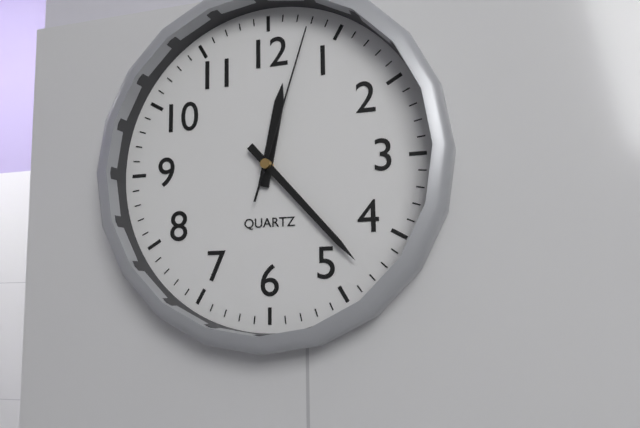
12.23.03
